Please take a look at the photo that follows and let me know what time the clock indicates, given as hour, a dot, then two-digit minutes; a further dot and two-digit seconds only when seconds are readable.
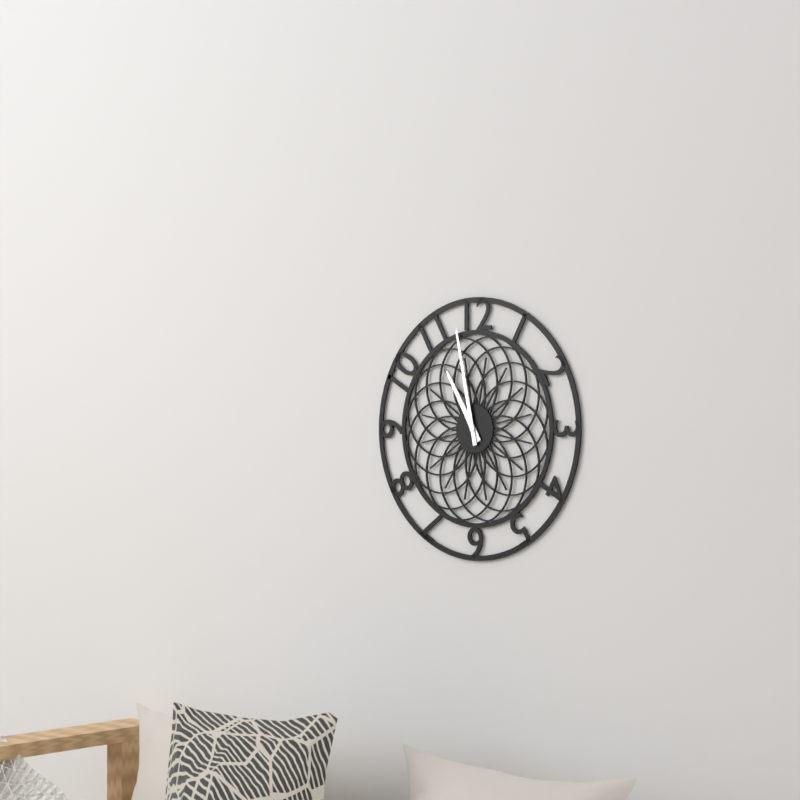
10.58
